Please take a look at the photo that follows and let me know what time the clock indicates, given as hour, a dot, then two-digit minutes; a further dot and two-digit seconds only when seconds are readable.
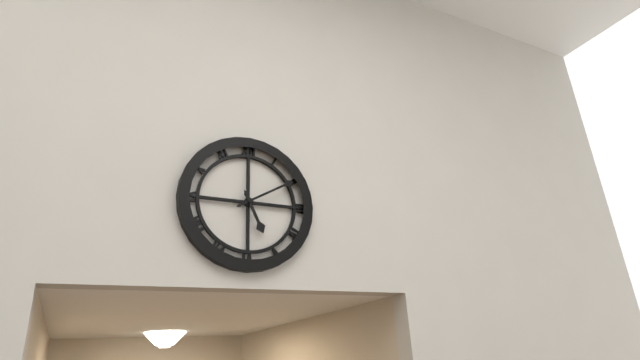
5.10
